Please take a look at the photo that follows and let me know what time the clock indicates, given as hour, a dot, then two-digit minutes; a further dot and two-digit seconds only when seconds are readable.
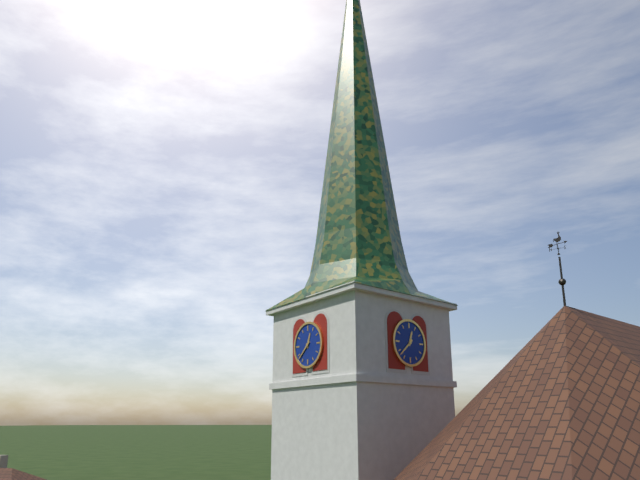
12.38
